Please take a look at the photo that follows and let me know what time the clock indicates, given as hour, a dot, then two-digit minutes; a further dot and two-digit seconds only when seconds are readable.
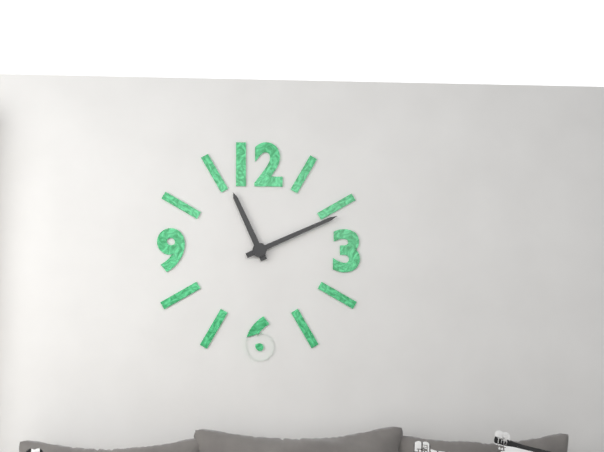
11.11
